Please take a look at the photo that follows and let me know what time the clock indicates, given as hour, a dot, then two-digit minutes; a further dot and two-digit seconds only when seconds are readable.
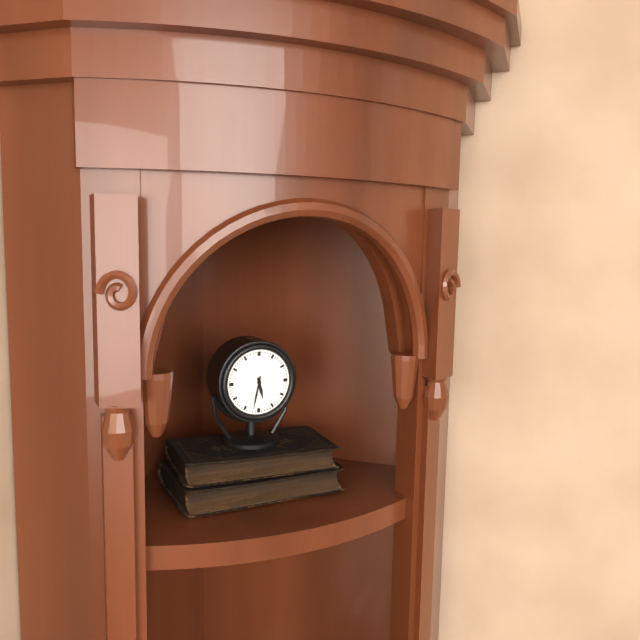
5.32
